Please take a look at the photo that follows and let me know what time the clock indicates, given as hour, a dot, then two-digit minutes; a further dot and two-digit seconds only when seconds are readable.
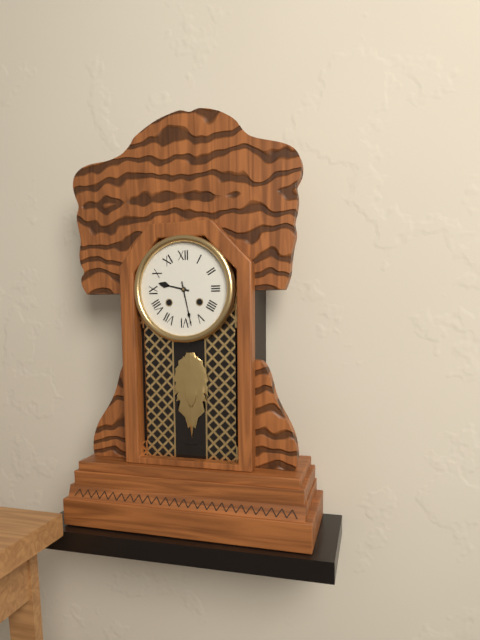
9.28
